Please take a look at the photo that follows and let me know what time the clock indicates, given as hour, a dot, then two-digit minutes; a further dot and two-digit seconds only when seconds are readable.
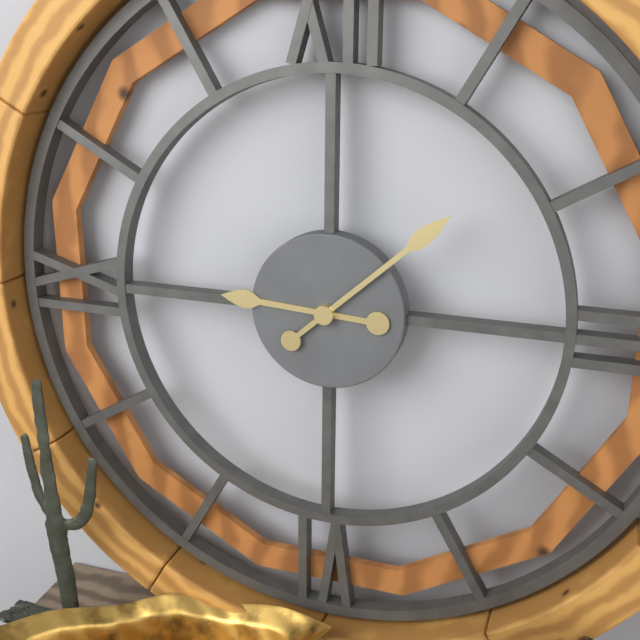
9.08
